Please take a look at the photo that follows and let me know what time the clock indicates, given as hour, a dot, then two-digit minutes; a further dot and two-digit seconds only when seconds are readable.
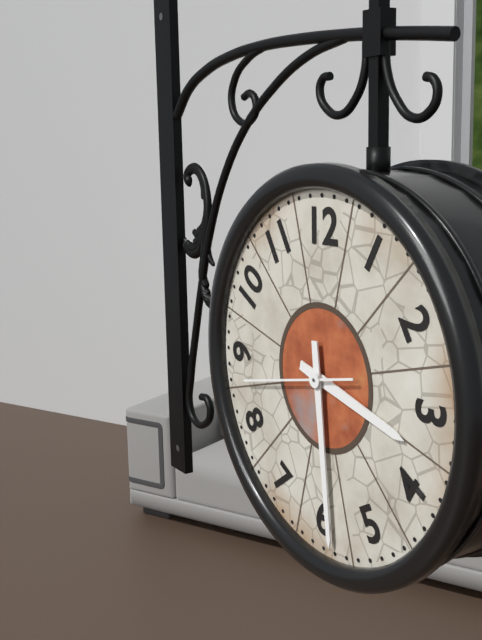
3.29.43
